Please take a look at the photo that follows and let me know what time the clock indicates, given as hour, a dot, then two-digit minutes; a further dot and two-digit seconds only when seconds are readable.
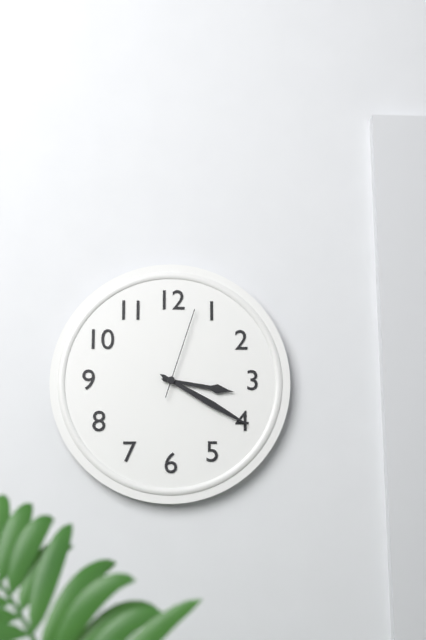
3.20.03
